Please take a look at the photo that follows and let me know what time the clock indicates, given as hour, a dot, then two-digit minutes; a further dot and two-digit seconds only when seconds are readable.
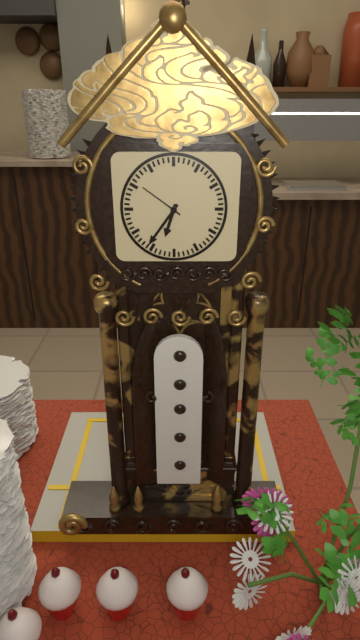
6.36.51
